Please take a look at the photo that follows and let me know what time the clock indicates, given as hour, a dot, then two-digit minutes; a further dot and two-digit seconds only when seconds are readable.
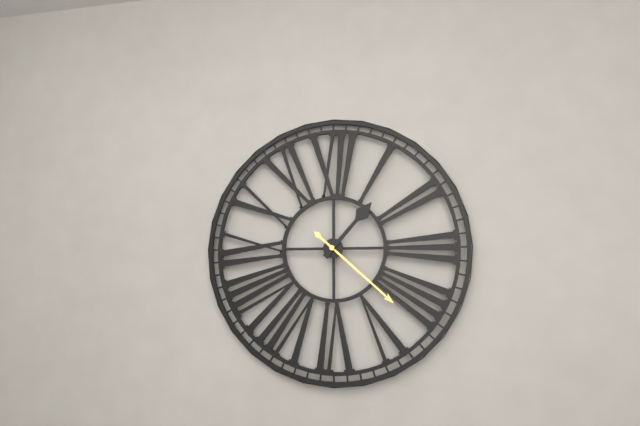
1.22
